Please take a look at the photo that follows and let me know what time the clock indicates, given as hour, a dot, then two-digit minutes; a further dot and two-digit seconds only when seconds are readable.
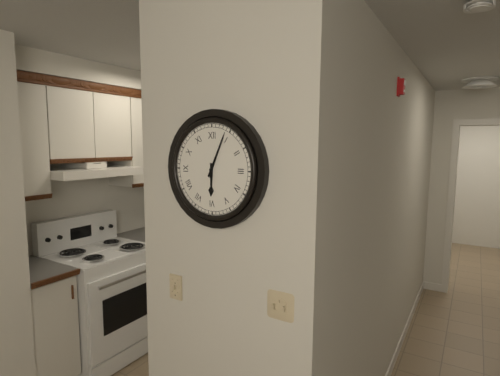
6.04
